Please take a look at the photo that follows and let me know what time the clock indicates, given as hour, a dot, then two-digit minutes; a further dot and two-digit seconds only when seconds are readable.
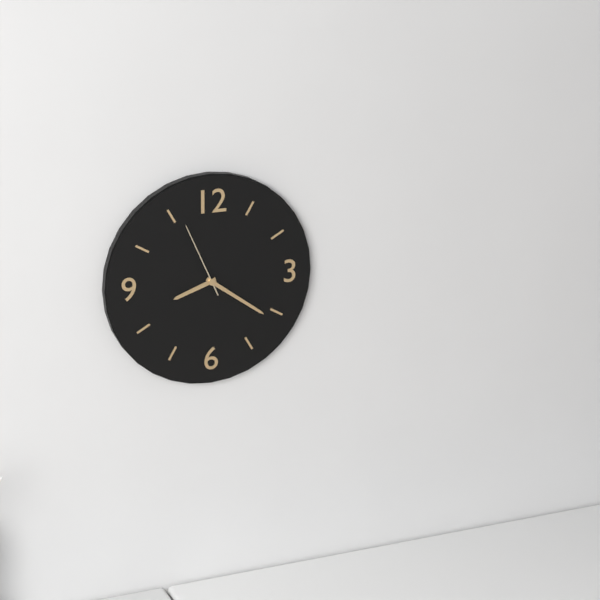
8.21.56
